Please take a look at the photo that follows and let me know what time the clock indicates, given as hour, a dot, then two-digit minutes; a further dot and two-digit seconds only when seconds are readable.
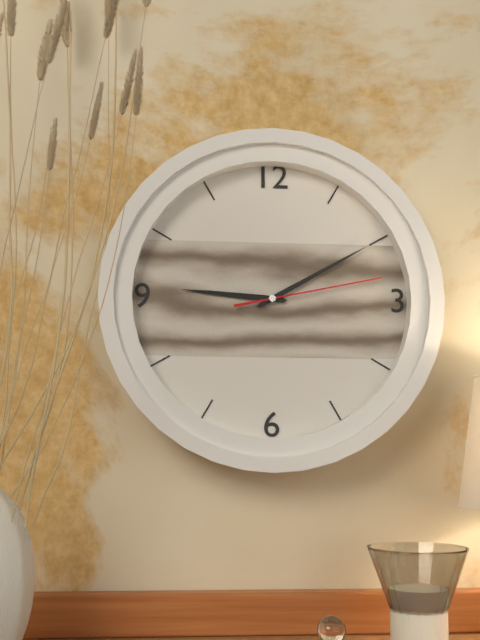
9.10.13
